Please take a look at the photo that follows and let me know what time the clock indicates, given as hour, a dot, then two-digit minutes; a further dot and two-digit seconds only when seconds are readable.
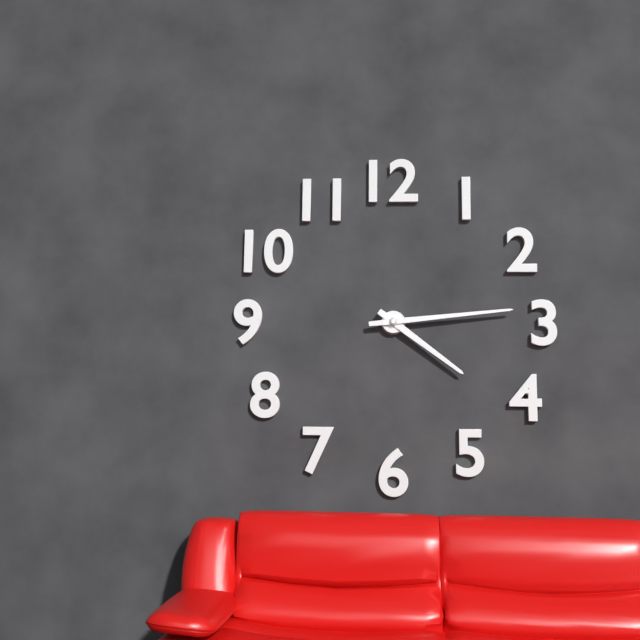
4.14
